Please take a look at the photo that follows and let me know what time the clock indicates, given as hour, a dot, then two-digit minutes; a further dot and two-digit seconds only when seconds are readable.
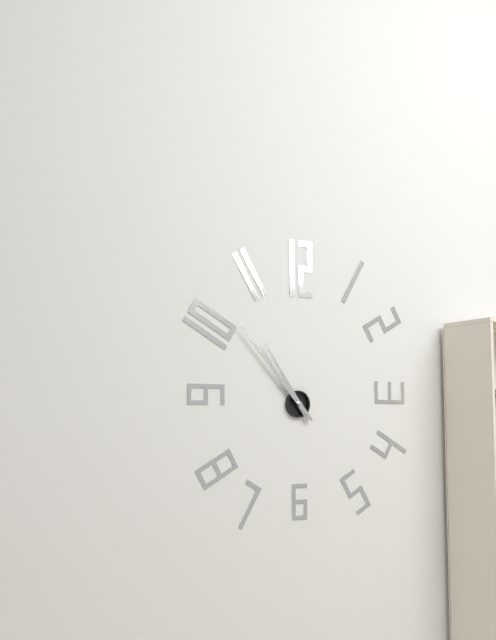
10.53
